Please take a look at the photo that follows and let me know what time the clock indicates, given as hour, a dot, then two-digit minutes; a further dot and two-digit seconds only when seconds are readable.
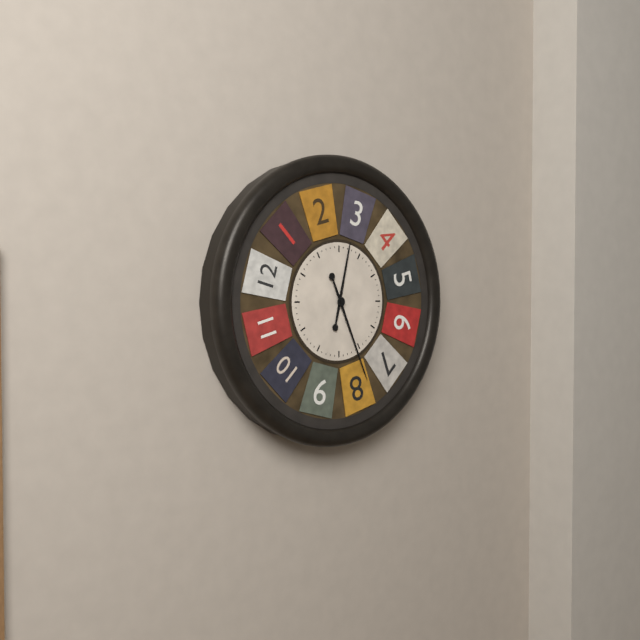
12.26
